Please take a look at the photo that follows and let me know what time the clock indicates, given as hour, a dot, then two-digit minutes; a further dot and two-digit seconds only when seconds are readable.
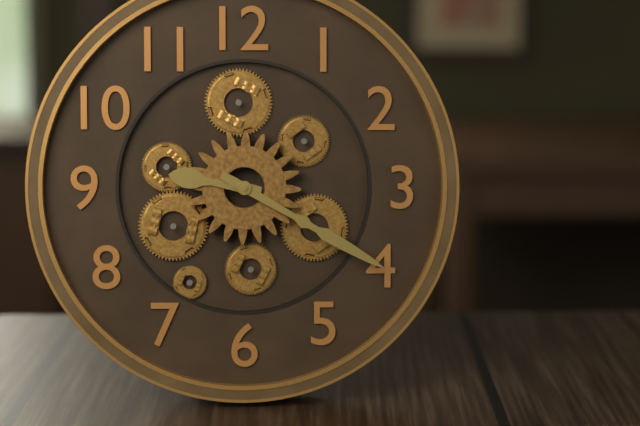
9.20
